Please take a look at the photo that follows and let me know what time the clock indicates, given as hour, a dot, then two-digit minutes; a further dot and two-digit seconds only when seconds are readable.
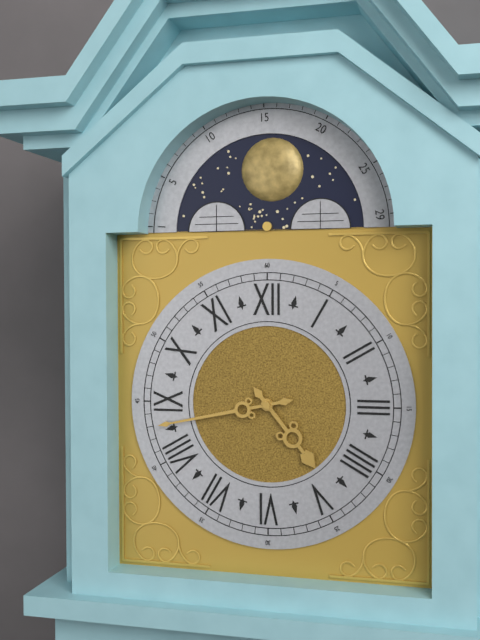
4.43
